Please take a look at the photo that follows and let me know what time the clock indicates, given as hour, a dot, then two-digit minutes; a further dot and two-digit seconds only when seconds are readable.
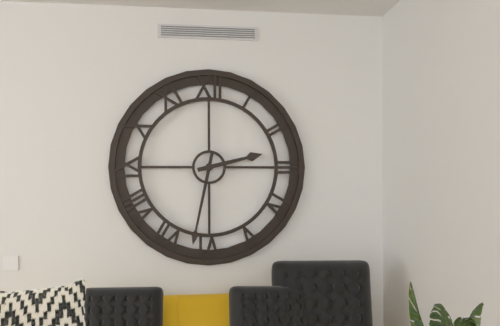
2.32
